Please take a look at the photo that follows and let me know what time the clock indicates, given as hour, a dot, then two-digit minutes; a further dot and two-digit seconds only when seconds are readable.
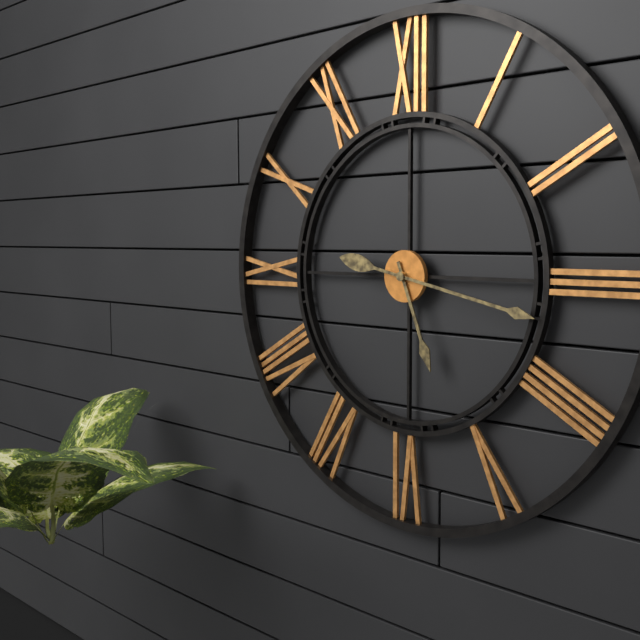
5.17
